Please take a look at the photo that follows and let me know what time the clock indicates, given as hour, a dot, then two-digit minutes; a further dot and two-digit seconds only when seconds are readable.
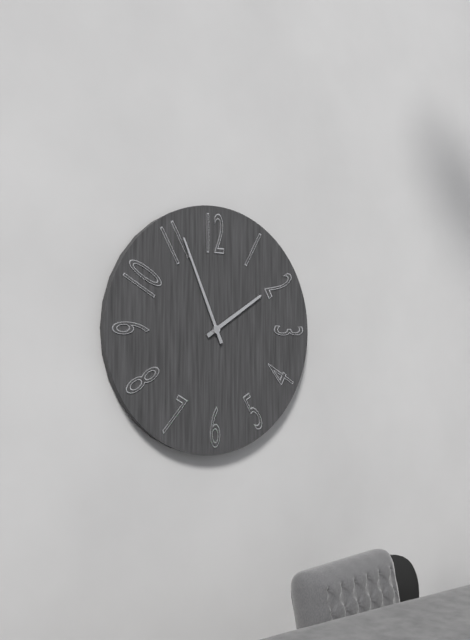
1.56
